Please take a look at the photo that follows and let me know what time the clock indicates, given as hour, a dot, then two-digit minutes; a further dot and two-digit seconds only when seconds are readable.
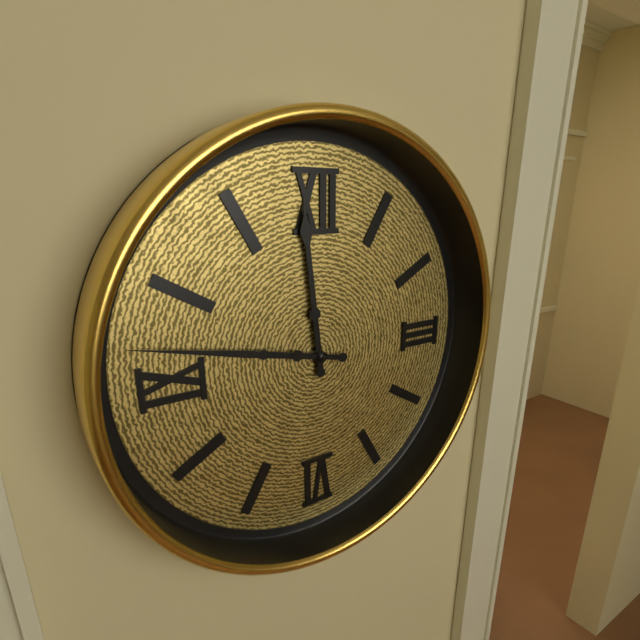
11.47
